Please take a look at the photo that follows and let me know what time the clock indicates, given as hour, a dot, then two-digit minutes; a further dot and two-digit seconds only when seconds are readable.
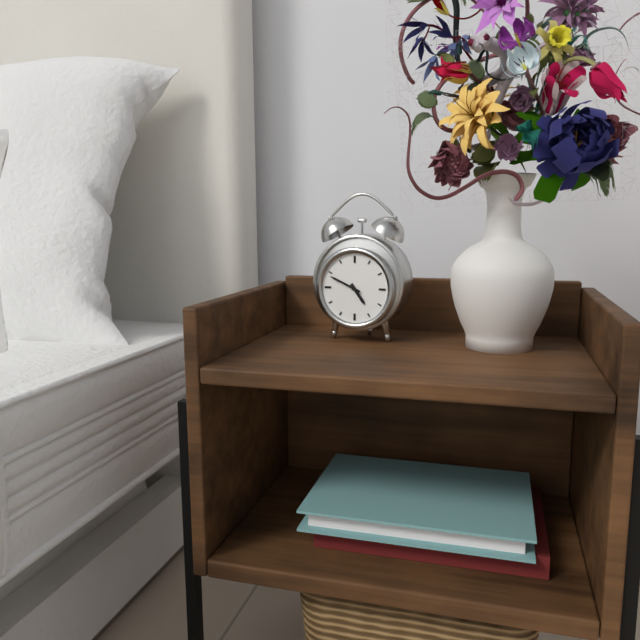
4.49
